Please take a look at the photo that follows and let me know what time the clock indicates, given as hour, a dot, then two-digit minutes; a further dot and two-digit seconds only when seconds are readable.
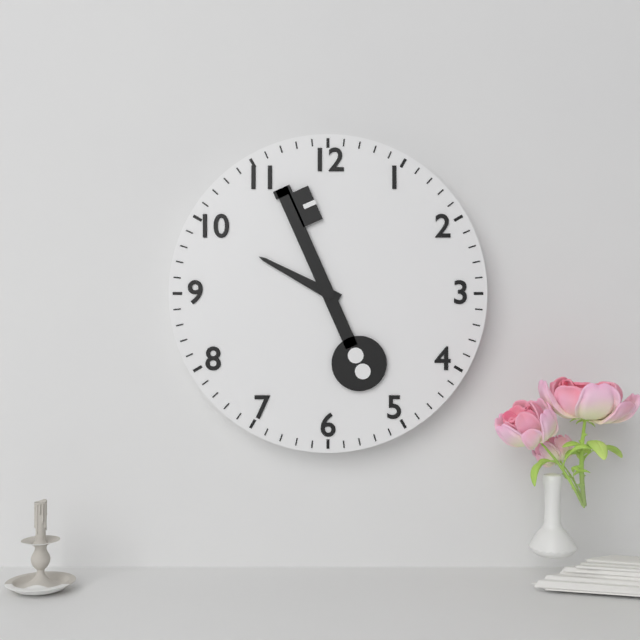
9.56
